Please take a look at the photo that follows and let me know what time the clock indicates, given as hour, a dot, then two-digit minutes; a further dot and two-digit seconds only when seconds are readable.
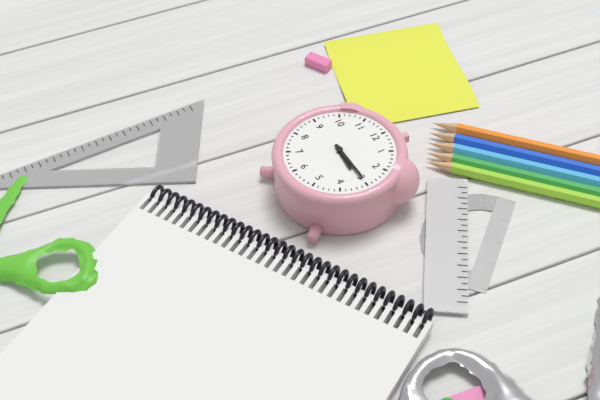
3.15
